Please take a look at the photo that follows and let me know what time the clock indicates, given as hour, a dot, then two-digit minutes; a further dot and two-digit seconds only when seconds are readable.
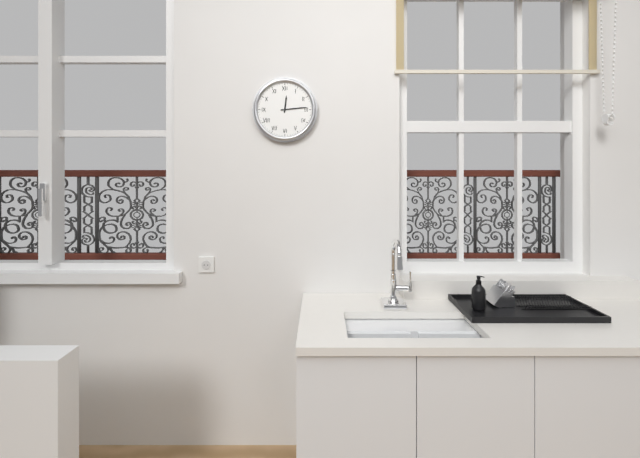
12.14
